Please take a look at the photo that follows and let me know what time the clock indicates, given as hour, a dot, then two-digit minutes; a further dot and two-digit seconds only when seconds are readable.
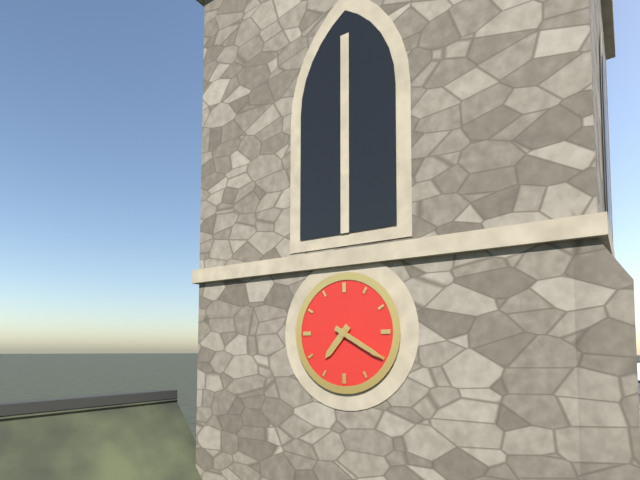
7.20
